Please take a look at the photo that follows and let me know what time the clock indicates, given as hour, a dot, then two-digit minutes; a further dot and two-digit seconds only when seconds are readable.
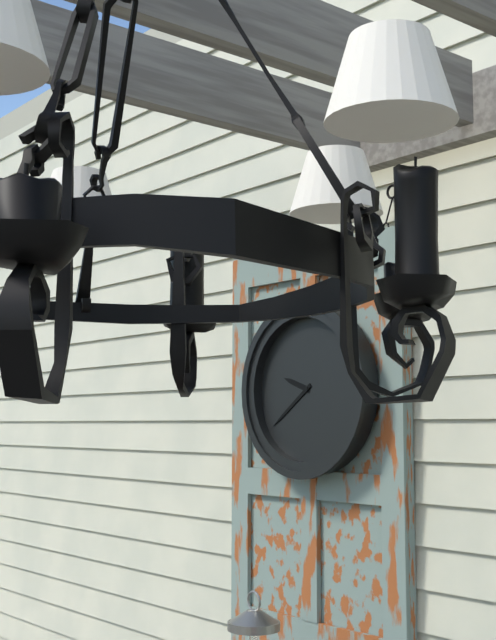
9.39
